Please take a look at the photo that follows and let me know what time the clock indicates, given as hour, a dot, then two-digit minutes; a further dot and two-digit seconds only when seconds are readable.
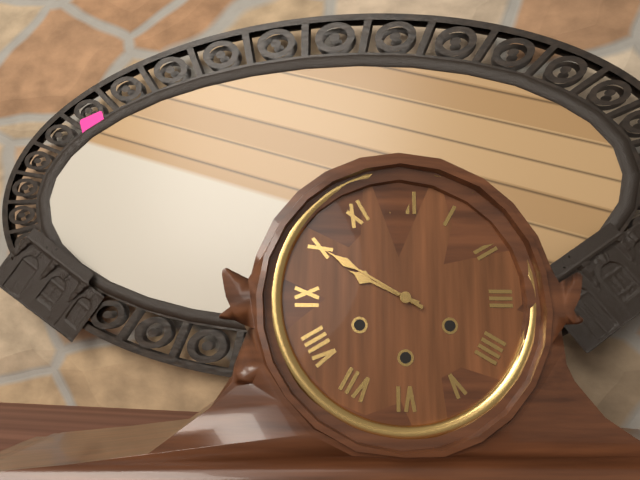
9.50
